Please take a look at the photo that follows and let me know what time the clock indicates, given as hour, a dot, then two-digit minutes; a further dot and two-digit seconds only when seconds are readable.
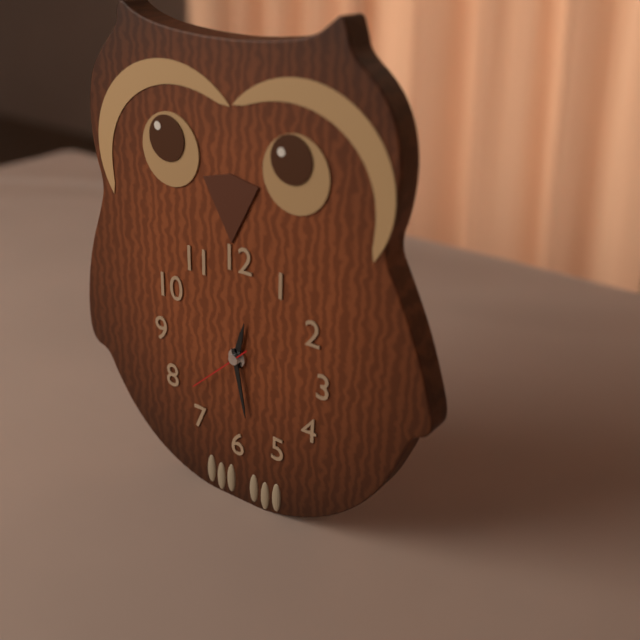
12.28.38
